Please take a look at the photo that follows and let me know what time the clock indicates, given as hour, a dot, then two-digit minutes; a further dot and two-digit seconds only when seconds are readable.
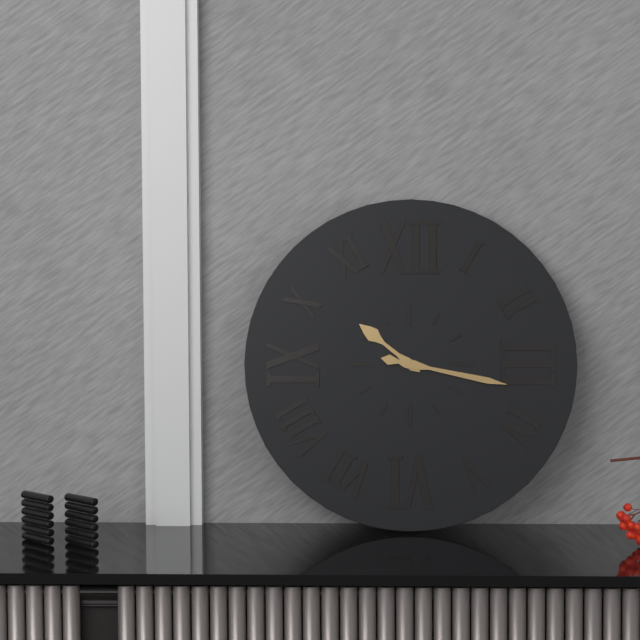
10.17
